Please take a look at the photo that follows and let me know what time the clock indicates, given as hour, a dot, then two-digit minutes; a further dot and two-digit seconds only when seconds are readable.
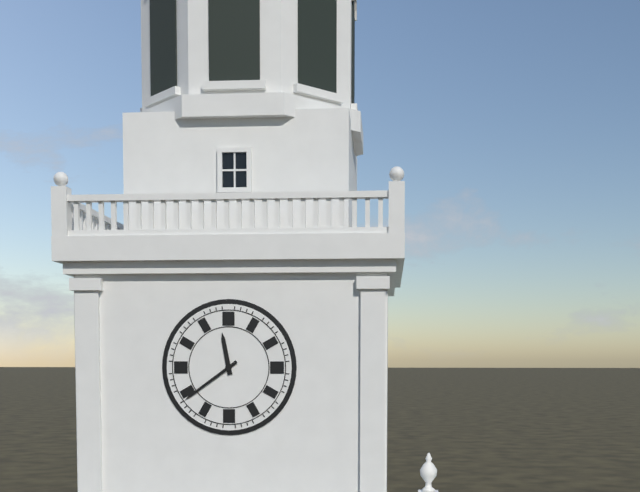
11.39
